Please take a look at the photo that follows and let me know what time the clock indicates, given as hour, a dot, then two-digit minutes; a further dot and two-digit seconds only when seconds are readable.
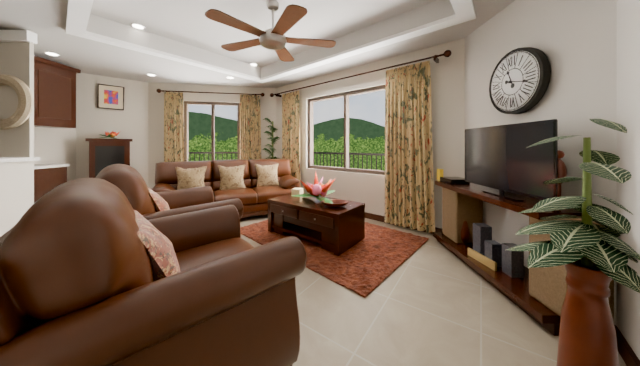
11.17
